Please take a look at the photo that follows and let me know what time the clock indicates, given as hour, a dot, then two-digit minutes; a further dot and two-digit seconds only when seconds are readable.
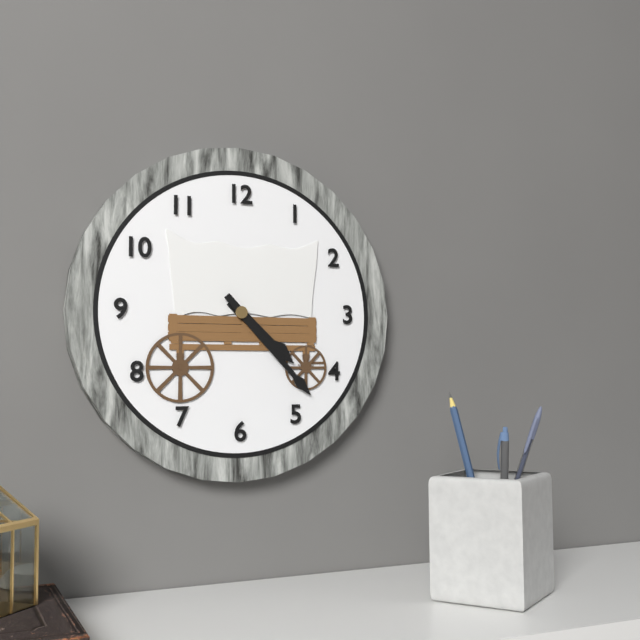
4.23
